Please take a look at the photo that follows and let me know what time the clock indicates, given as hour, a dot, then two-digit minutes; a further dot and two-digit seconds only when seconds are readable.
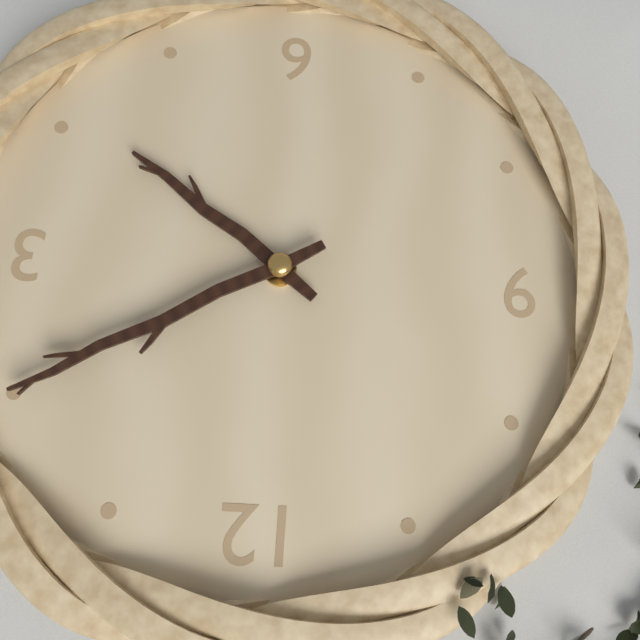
4.10
